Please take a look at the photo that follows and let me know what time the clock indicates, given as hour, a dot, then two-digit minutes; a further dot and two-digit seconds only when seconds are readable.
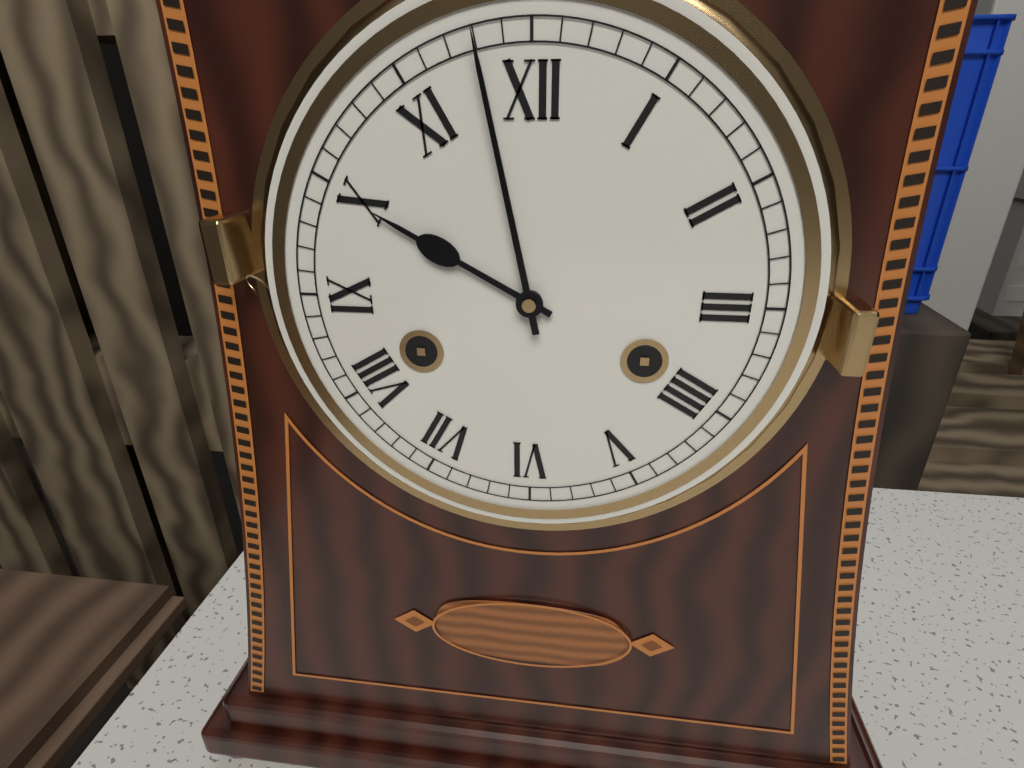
9.58
